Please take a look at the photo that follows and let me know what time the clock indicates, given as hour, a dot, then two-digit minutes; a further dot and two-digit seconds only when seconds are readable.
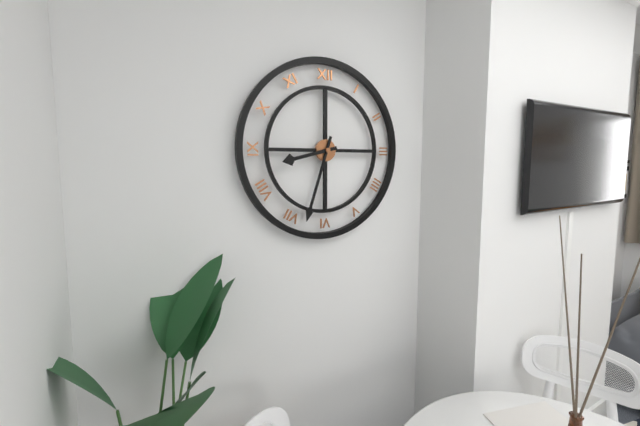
8.33
